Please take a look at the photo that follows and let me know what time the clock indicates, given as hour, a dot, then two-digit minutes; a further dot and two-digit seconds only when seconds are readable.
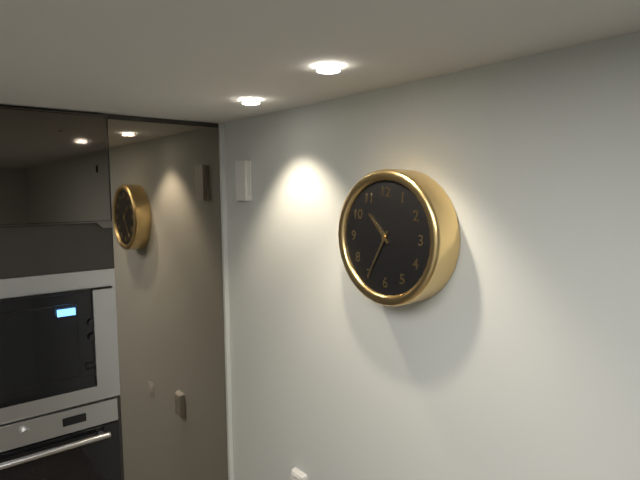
10.35
